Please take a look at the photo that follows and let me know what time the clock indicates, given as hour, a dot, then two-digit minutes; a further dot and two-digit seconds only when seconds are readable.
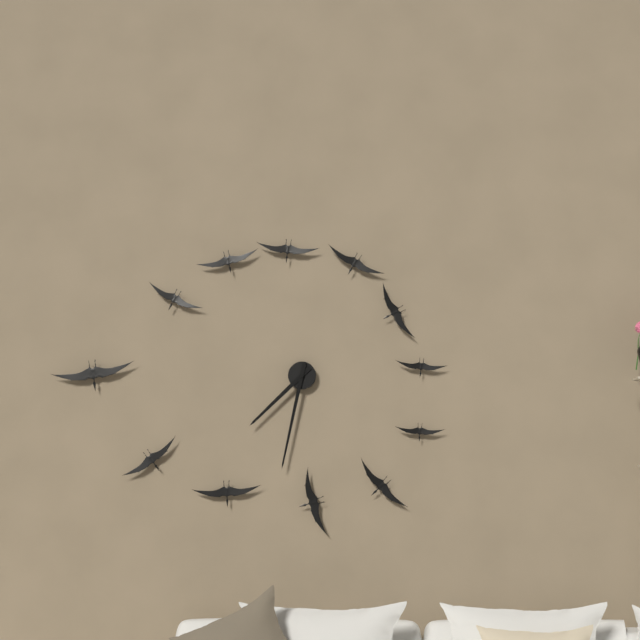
7.32
